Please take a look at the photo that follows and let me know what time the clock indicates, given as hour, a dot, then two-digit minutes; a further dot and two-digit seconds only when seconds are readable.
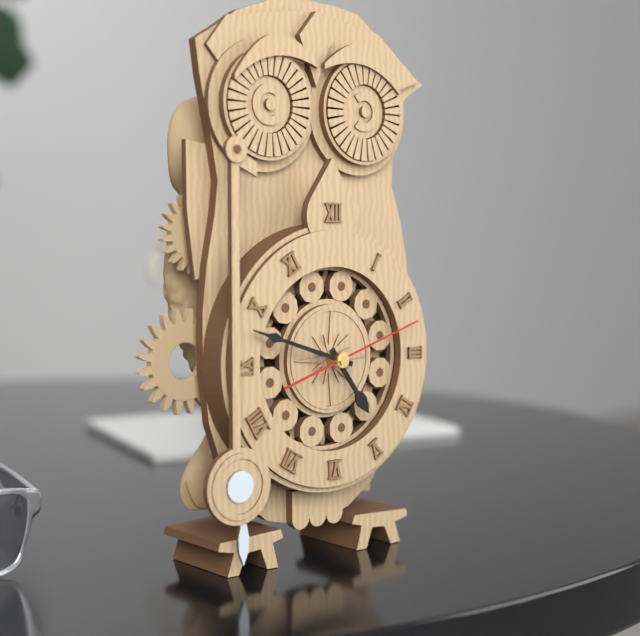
4.48.12
